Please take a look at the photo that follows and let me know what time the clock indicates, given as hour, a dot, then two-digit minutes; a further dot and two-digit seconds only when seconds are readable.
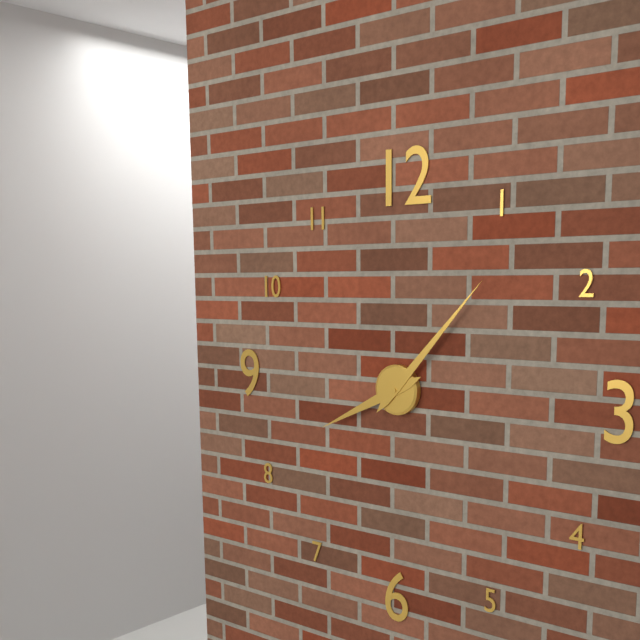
8.07
